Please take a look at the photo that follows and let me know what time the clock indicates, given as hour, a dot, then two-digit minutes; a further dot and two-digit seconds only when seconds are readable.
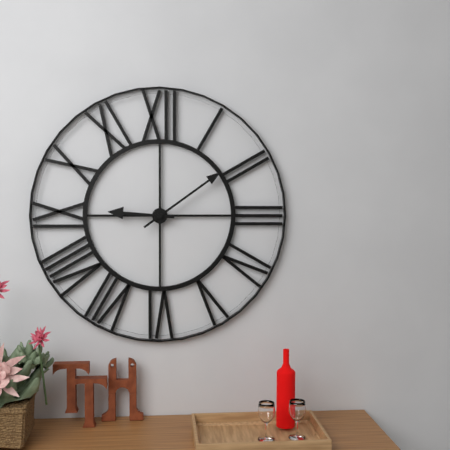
9.09
